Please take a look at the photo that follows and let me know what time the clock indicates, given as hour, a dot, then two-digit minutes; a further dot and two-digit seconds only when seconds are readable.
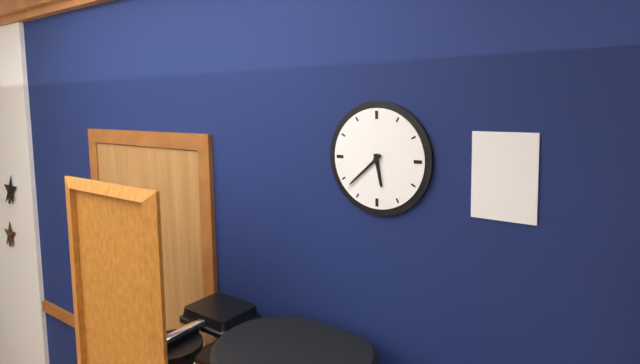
5.38
